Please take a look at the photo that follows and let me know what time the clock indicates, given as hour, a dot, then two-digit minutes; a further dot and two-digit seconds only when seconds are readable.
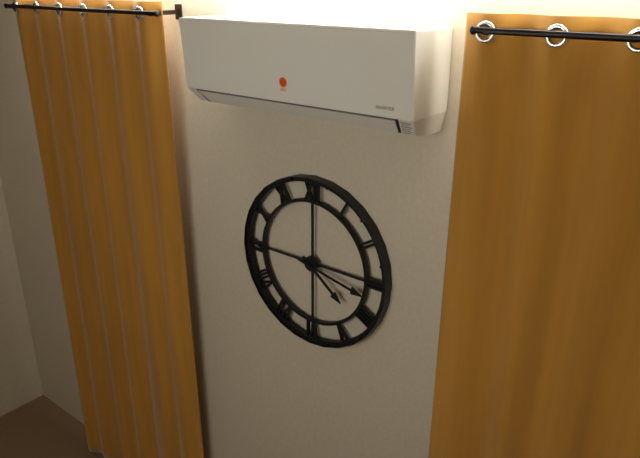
4.17
